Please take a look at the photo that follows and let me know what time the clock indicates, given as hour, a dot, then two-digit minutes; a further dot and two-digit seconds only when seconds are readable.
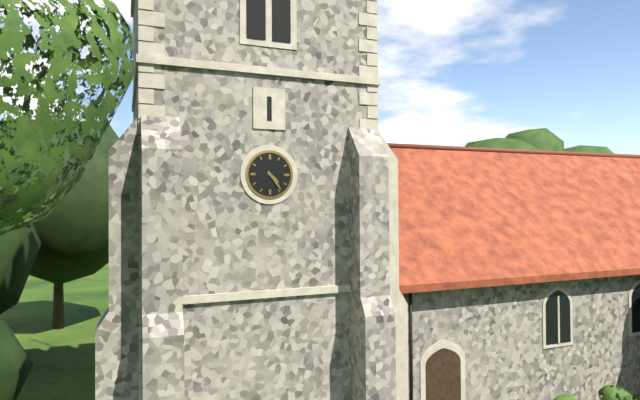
4.24
